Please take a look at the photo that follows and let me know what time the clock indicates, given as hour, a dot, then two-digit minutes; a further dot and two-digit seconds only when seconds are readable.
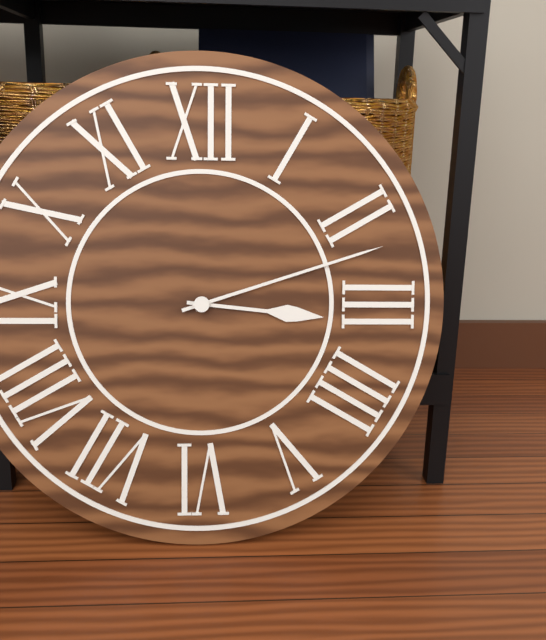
3.12
